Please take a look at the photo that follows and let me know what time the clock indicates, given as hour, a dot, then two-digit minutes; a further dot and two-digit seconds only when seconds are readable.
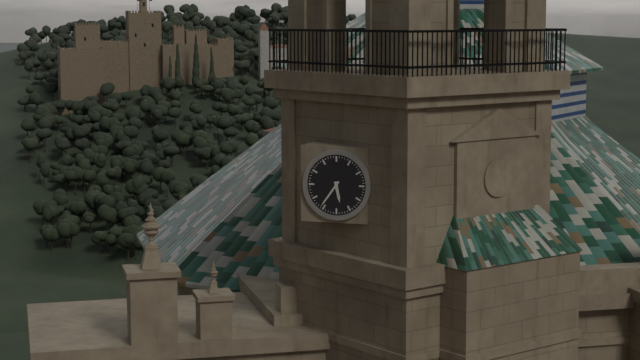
5.36
